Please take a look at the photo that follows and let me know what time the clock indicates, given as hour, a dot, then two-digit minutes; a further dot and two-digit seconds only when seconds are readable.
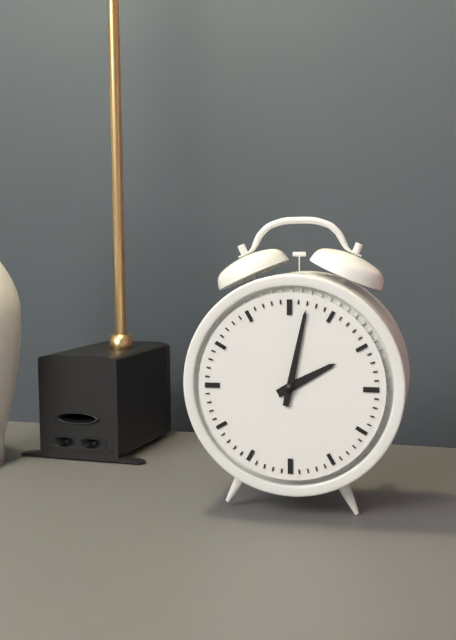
2.02
